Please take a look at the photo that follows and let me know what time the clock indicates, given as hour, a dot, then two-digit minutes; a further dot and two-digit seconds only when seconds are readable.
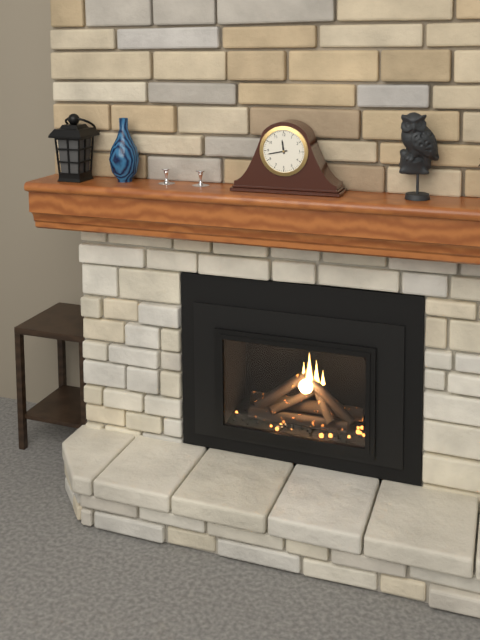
11.43
